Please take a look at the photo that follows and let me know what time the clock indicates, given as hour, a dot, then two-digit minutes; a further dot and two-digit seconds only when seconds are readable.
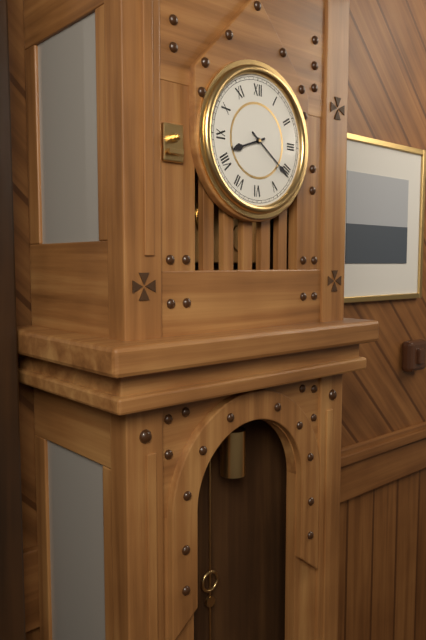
8.21
